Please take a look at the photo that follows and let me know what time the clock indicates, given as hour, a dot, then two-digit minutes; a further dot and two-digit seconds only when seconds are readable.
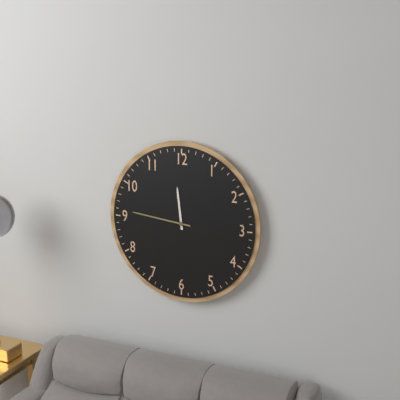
11.46
